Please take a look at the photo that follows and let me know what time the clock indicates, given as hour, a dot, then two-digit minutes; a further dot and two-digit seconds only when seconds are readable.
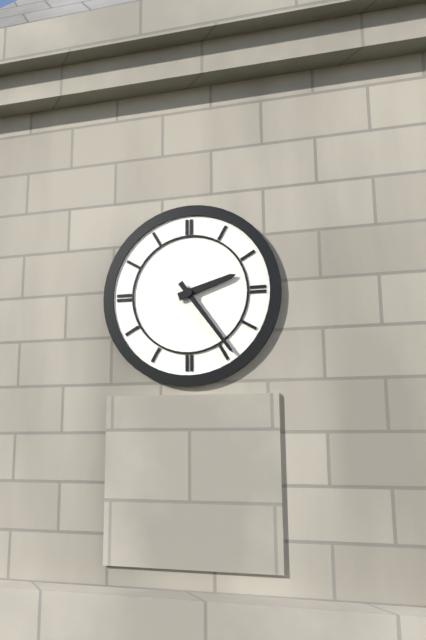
2.24
